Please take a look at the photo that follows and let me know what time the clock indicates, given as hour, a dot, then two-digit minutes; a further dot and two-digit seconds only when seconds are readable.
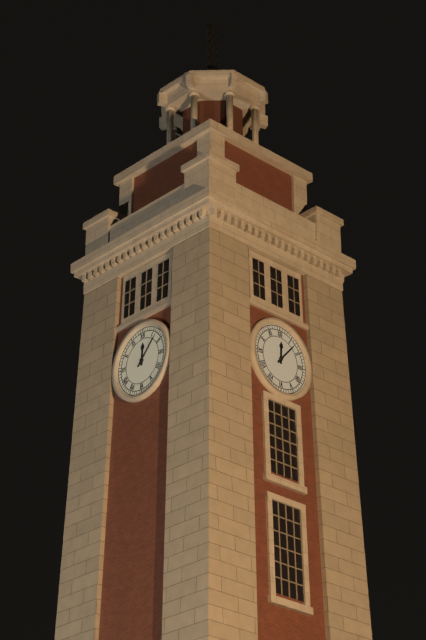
12.07
